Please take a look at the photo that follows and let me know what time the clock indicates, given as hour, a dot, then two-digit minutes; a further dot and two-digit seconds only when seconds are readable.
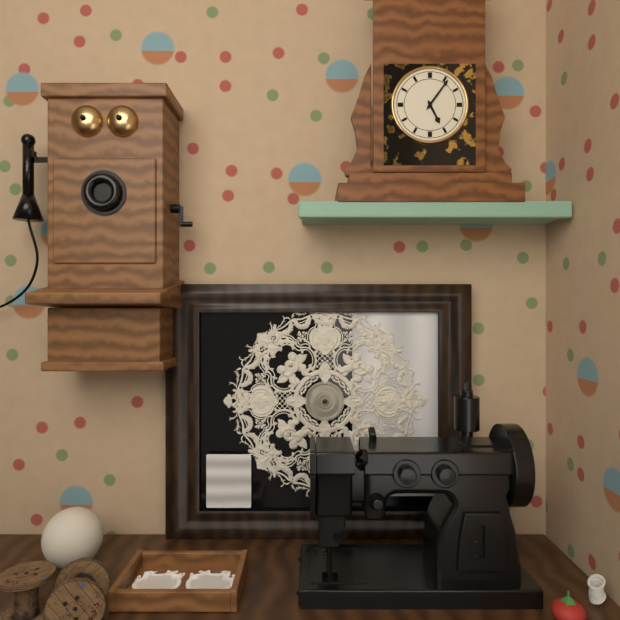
5.06
